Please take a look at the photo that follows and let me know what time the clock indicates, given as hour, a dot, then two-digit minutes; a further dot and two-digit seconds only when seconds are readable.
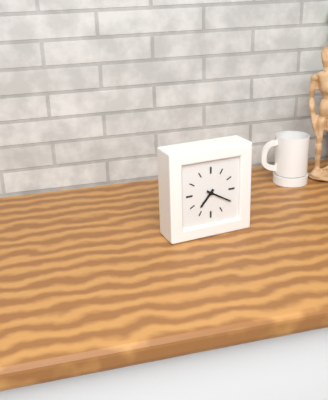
7.20
